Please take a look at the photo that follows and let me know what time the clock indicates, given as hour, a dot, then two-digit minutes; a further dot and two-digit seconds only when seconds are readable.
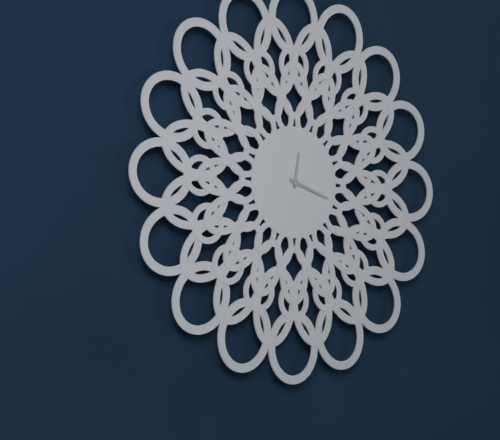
12.18
